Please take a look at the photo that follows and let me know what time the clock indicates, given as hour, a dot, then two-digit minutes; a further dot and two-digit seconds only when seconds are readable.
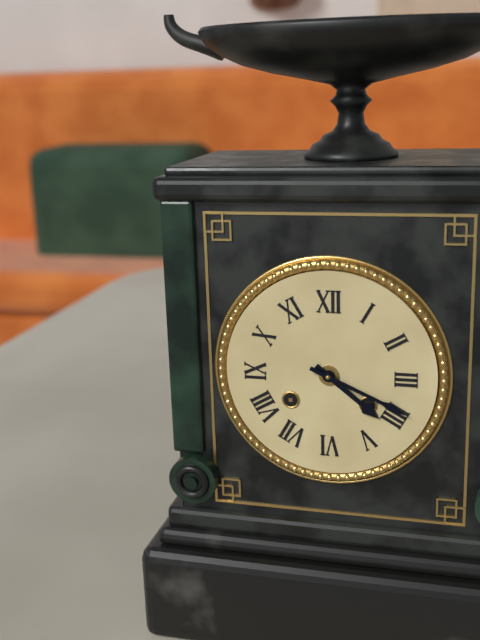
4.19
